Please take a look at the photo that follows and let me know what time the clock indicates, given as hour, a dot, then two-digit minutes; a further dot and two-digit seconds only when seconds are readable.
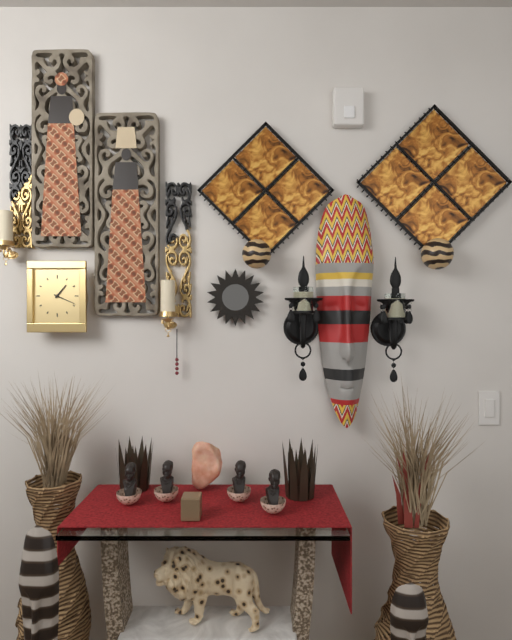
1.19
